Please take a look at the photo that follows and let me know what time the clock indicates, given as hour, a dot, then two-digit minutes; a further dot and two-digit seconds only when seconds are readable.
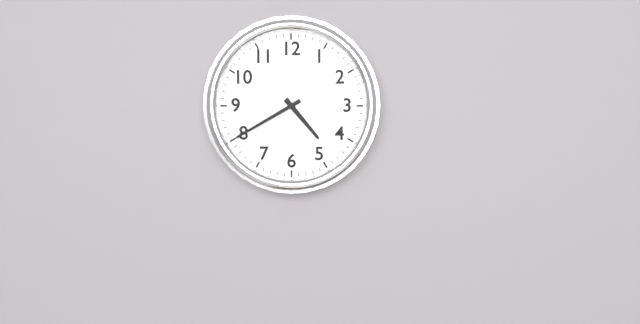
4.40
